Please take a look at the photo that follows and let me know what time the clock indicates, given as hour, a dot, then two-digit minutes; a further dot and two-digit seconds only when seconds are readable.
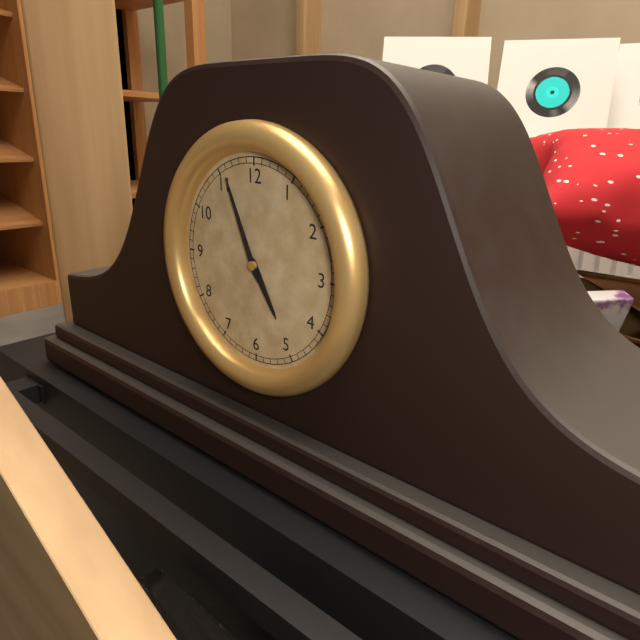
4.56
